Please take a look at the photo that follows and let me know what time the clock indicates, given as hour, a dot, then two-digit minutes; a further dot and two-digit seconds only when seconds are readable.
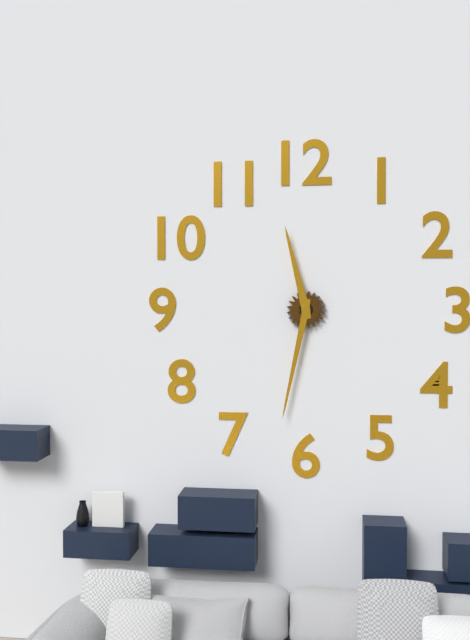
11.32
